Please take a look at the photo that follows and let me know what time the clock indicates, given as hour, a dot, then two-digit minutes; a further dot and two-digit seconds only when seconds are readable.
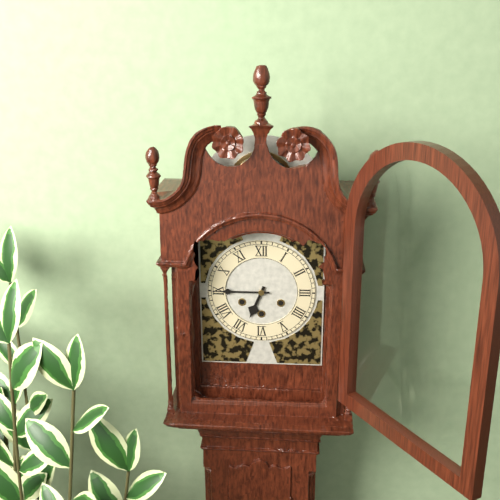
6.45
